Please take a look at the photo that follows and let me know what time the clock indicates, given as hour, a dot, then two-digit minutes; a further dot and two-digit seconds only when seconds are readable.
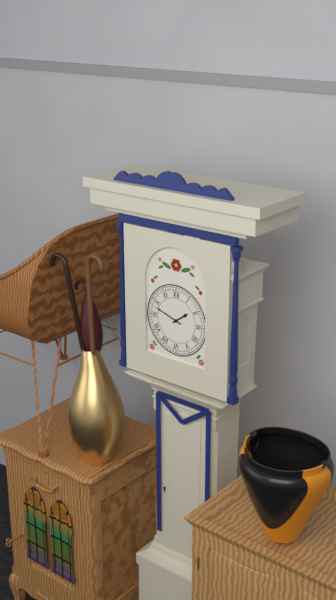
1.48
